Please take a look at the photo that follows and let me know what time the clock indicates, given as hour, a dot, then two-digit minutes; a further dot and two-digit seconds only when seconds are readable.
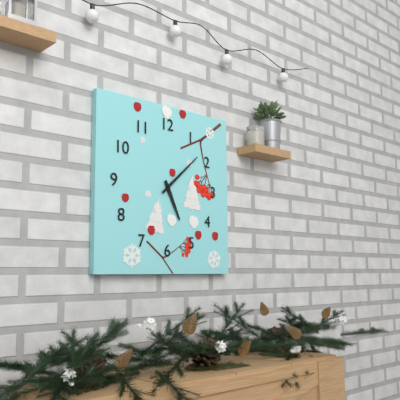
5.08
